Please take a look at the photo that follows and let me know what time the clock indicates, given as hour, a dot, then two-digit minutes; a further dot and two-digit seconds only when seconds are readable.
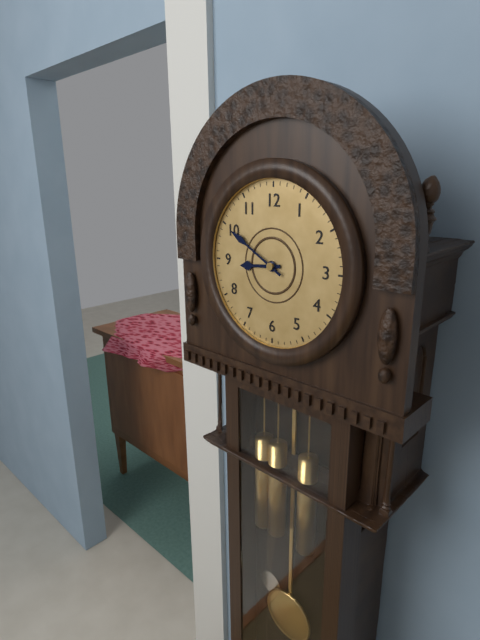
8.50
